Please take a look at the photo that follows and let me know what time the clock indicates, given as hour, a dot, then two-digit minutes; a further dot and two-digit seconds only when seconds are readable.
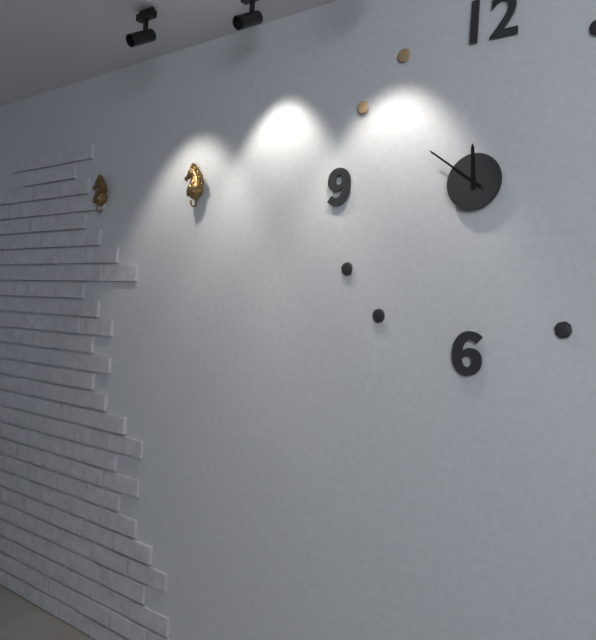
11.51
